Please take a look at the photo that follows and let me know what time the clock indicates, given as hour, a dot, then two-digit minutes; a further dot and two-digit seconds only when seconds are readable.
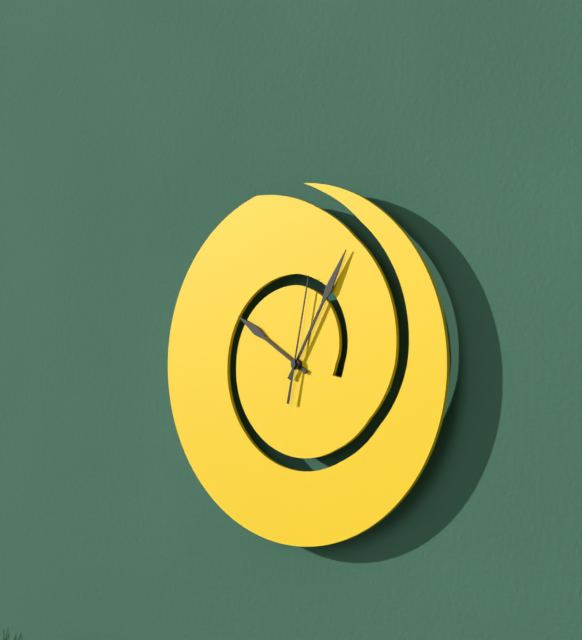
10.05.02
